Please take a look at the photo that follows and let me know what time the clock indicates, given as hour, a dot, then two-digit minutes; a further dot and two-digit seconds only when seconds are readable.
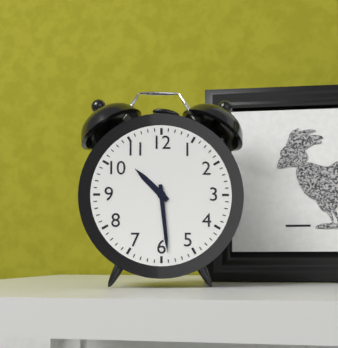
10.29
